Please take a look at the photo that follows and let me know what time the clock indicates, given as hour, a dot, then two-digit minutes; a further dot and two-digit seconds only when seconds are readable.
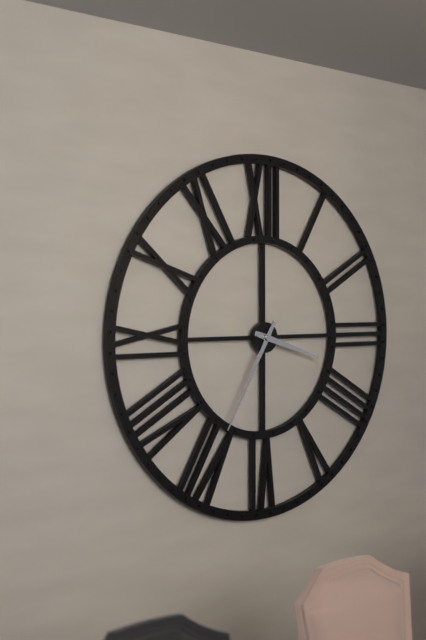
3.35
